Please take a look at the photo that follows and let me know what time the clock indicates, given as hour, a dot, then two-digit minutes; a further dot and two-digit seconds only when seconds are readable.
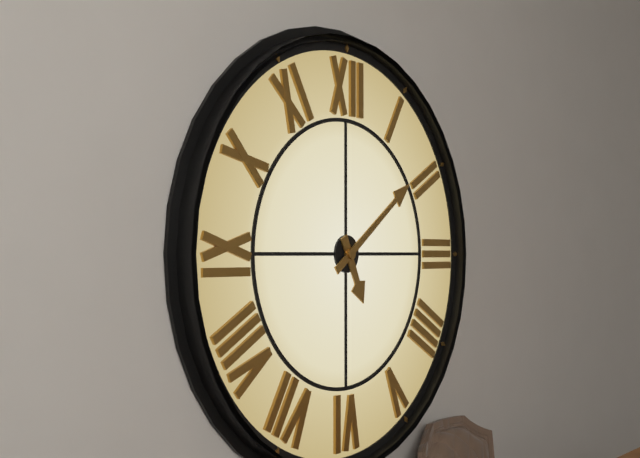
5.09
